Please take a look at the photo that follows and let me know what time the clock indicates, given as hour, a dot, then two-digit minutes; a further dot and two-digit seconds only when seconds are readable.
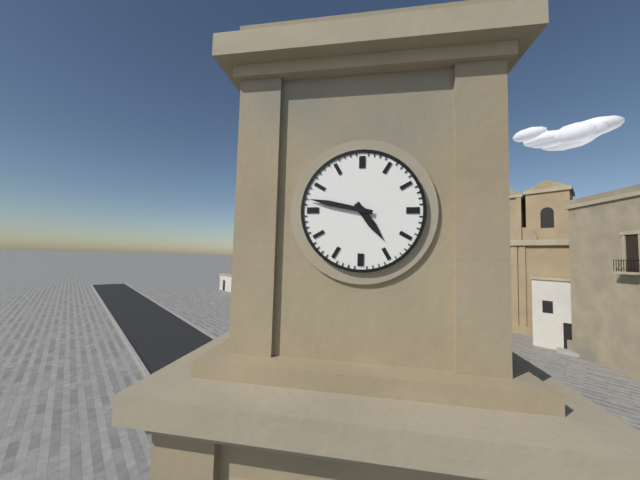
4.47
